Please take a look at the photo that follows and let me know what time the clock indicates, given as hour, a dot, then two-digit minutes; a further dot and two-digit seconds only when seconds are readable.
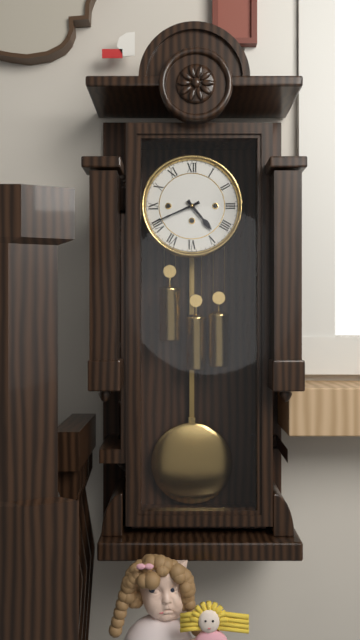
4.41
